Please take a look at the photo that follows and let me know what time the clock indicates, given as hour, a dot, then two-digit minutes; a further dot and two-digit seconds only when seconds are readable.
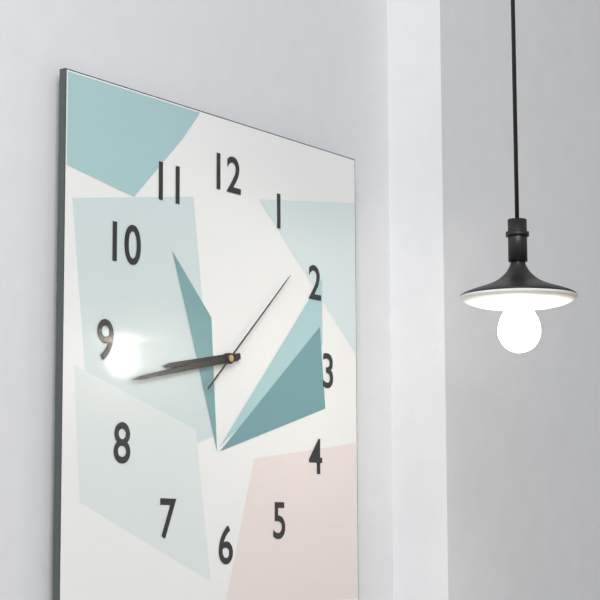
8.43.08
